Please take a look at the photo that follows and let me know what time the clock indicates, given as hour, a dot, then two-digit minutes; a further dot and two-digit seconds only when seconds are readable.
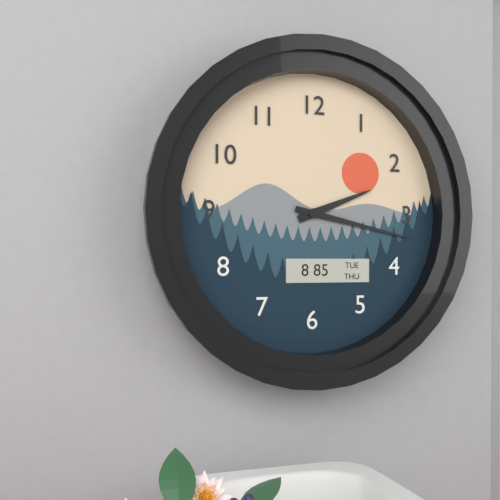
2.17
